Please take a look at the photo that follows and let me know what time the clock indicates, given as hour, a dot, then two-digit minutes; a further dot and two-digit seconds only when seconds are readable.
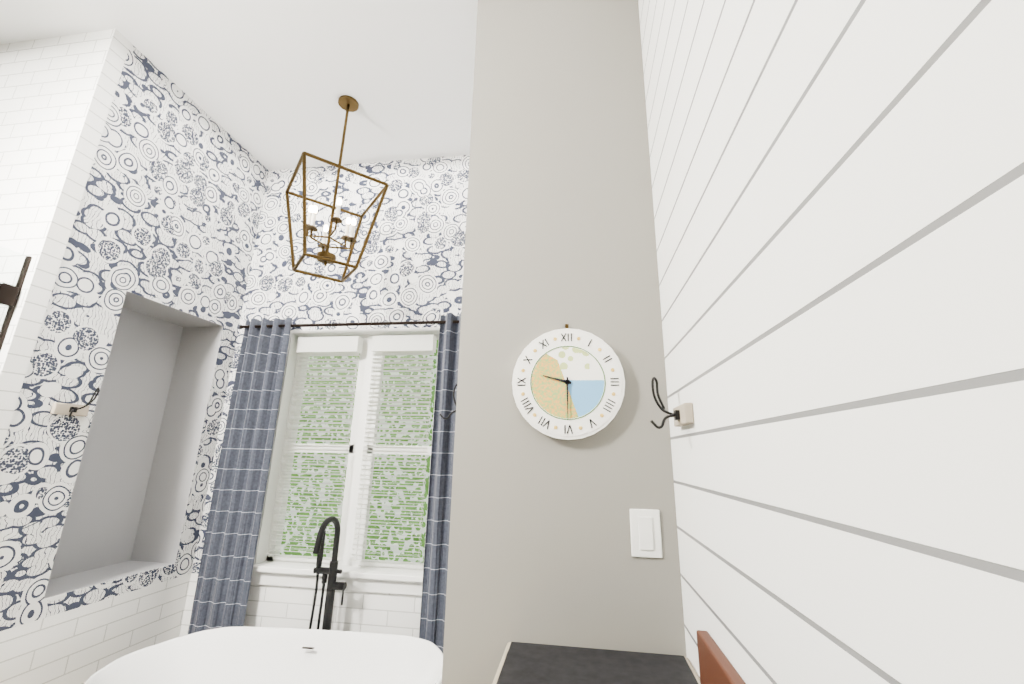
9.30
